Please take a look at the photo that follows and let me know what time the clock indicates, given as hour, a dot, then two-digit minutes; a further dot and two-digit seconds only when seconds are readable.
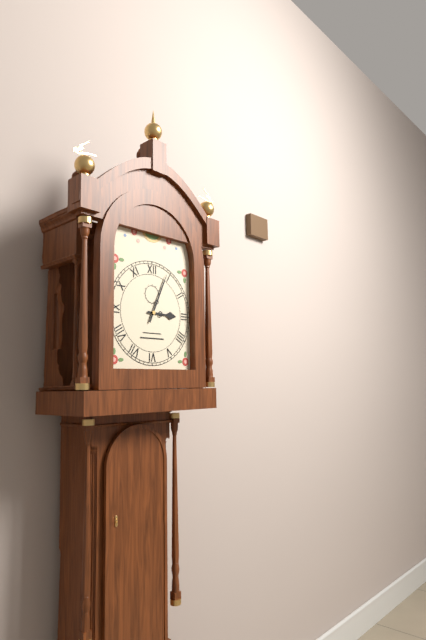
3.04
